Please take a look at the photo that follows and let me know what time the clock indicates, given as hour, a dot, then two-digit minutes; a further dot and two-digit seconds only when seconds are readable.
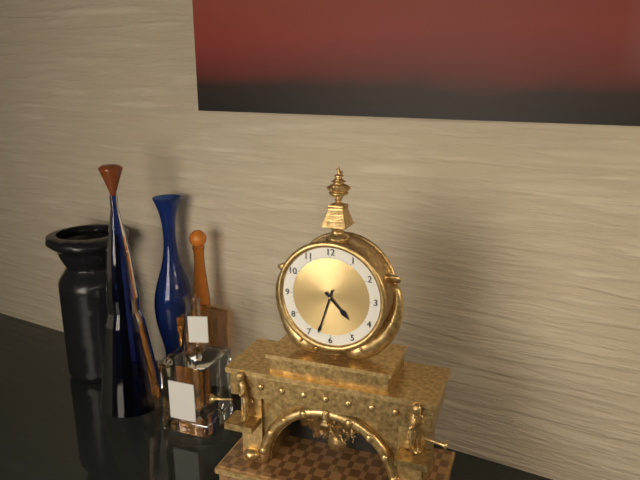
4.33
